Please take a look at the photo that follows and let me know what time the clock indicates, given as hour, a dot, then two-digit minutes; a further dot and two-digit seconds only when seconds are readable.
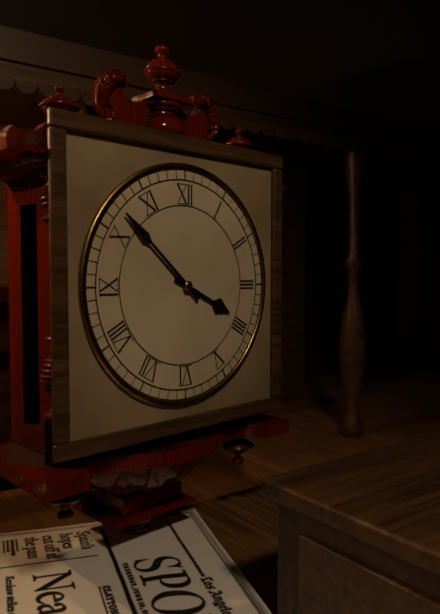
3.52
